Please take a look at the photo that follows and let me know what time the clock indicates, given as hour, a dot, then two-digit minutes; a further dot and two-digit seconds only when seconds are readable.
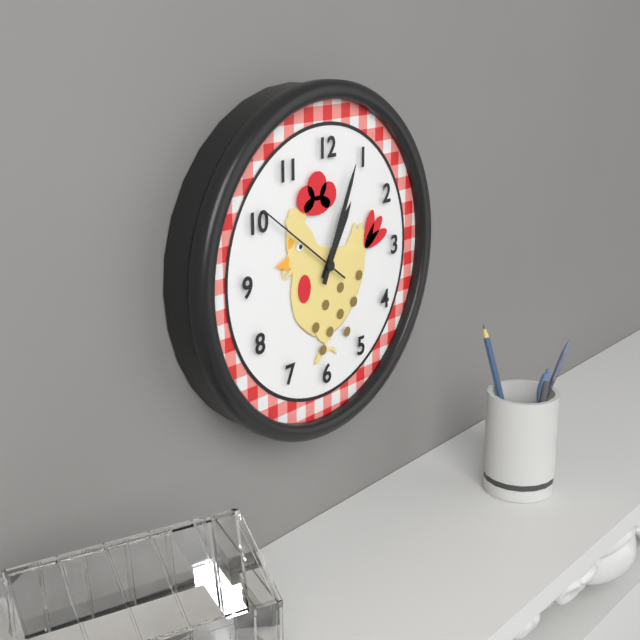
1.04.51
